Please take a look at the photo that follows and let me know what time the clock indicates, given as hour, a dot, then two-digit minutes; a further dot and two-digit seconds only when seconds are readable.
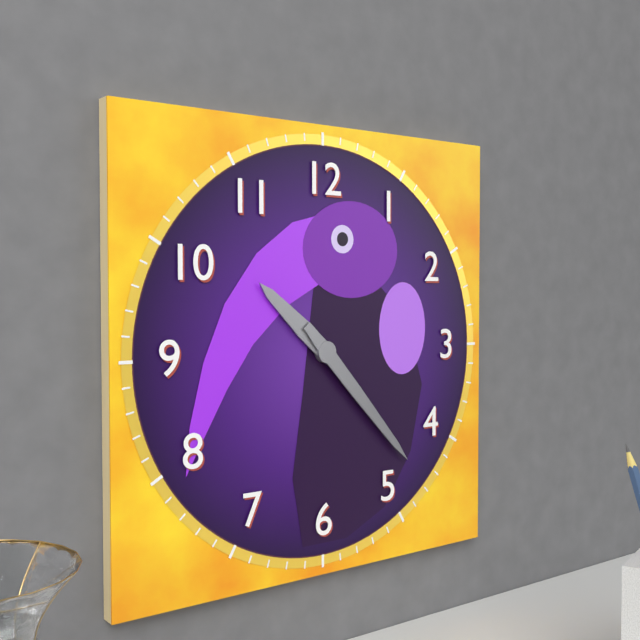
10.23
